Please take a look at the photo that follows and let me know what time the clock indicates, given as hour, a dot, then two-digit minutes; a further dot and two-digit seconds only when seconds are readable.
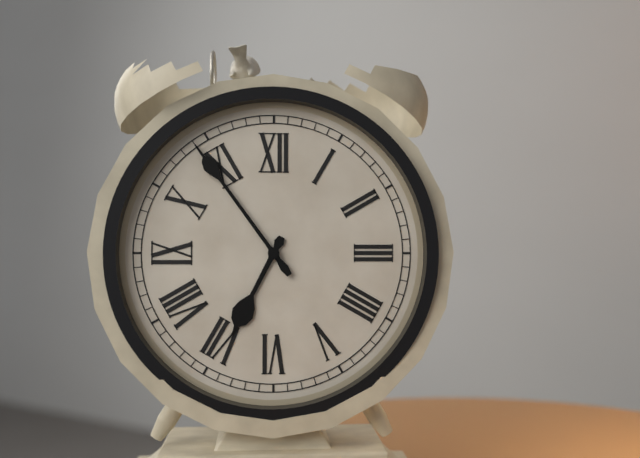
6.54
